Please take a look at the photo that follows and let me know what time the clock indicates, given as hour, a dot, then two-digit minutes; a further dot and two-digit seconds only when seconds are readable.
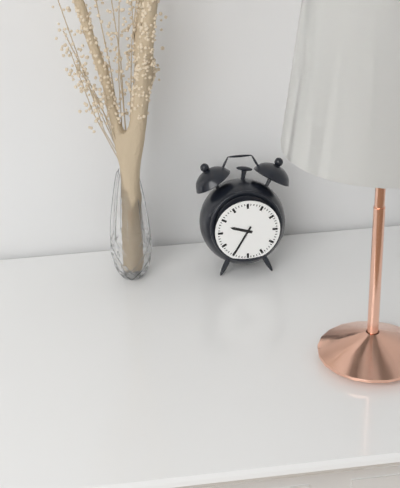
9.35
